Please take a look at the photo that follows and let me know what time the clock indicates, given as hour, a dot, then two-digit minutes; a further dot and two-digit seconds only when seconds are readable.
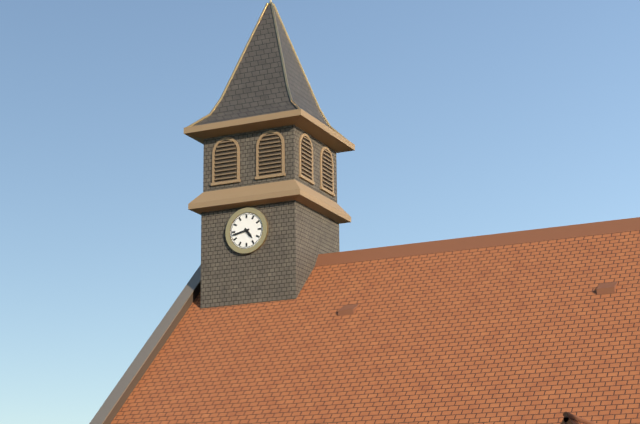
4.43
